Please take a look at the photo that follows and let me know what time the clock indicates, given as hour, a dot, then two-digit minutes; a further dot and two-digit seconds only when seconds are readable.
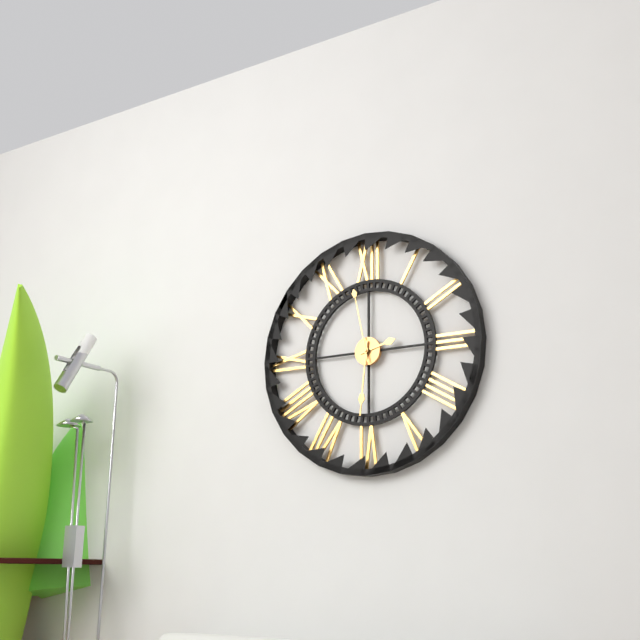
2.31.58
